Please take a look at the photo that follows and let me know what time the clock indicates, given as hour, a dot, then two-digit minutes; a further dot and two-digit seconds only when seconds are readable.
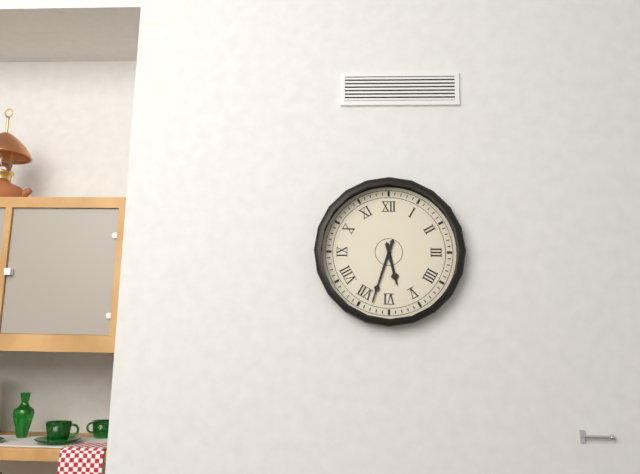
5.33
